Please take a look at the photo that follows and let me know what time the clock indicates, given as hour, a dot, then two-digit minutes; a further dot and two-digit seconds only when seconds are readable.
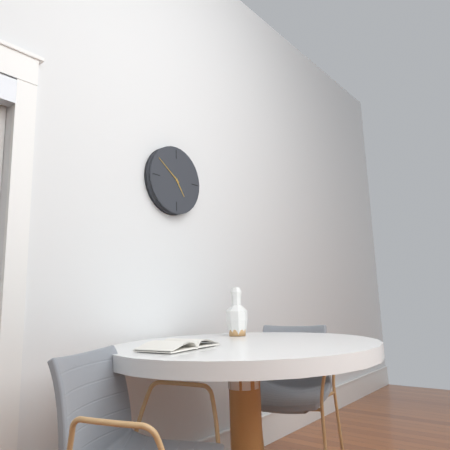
4.51
